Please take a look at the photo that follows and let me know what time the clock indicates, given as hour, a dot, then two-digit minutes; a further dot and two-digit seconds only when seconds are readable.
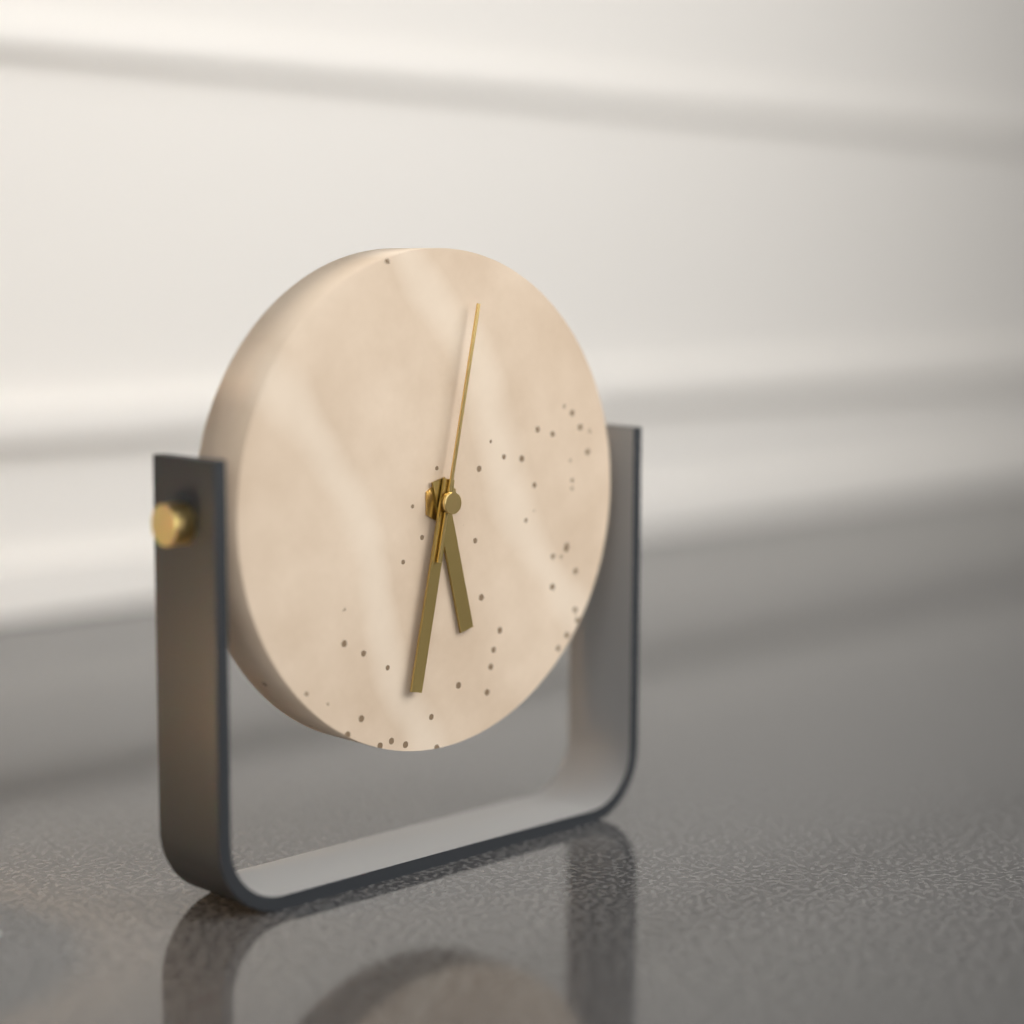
5.32.02
